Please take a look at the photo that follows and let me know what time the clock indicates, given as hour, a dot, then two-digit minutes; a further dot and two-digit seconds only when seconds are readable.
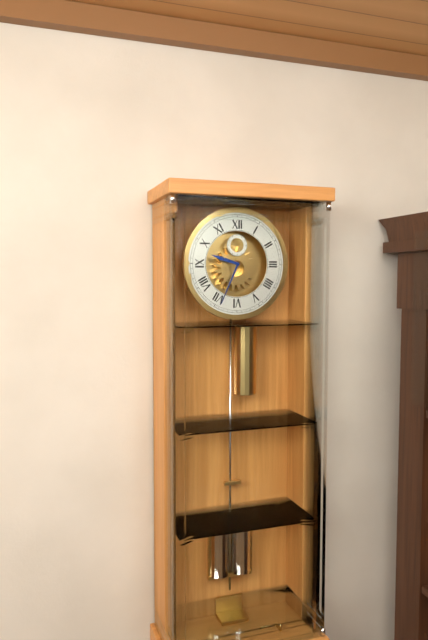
9.34
